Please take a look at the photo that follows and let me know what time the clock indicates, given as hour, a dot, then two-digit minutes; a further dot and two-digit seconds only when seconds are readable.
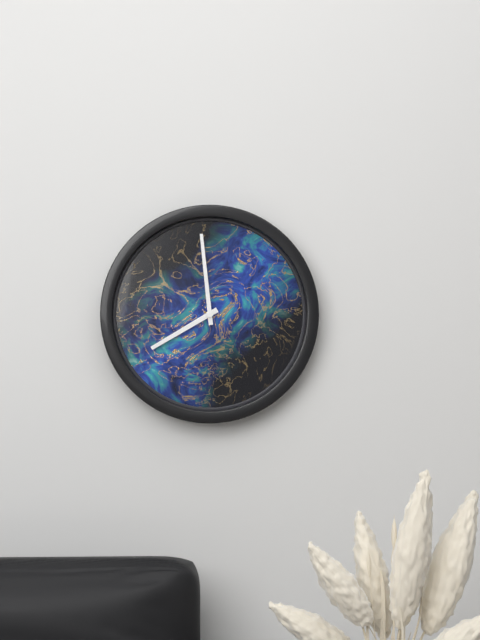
7.59
